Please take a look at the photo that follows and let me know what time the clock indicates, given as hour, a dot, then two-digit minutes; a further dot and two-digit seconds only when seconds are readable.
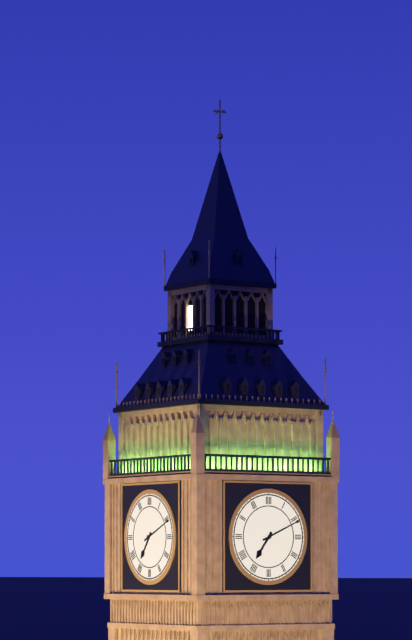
7.11
